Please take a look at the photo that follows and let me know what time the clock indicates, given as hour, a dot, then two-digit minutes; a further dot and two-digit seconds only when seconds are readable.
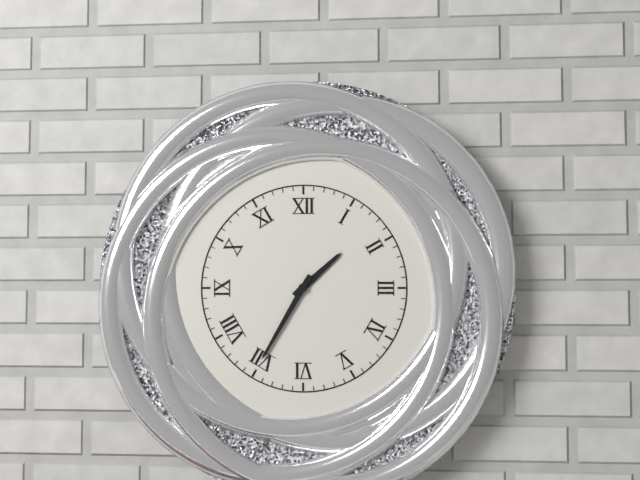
1.35
